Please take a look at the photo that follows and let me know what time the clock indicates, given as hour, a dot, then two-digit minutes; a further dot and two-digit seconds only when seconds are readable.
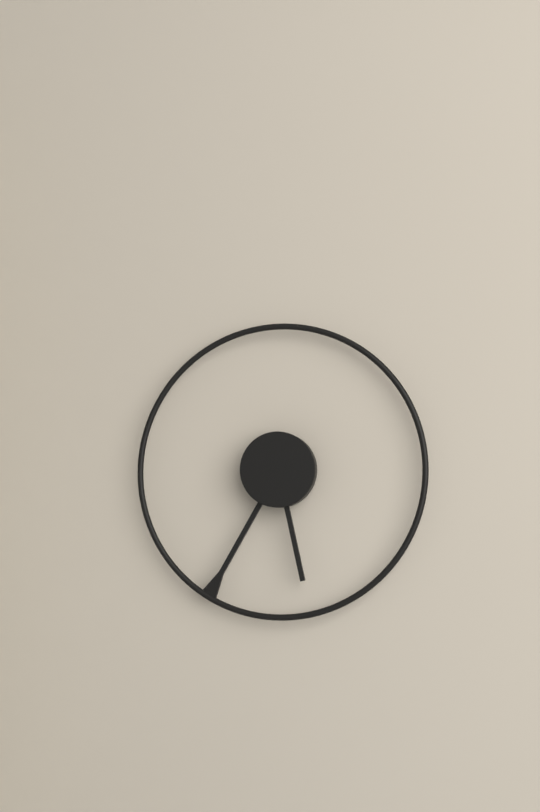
5.35
